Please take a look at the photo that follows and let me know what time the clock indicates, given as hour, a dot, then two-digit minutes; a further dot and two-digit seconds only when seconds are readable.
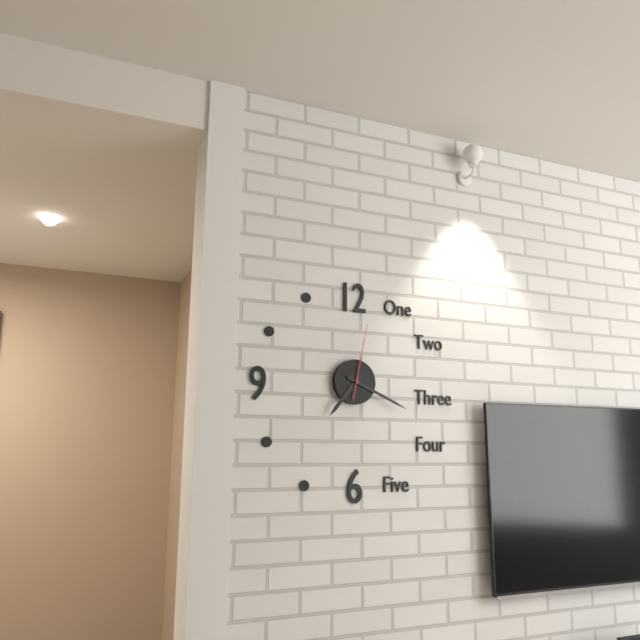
7.19.02
